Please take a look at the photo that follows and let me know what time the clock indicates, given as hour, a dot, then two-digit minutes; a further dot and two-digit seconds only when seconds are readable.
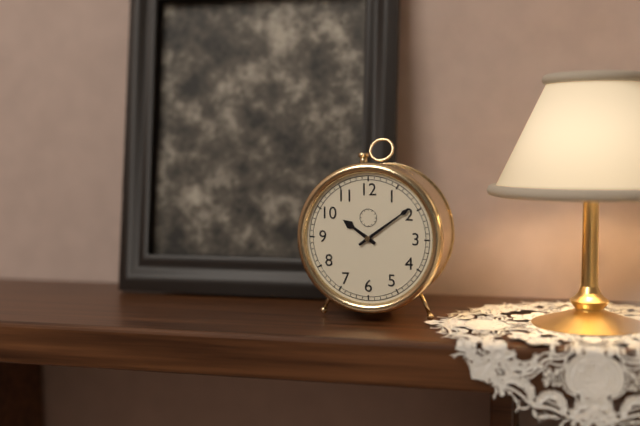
10.09
